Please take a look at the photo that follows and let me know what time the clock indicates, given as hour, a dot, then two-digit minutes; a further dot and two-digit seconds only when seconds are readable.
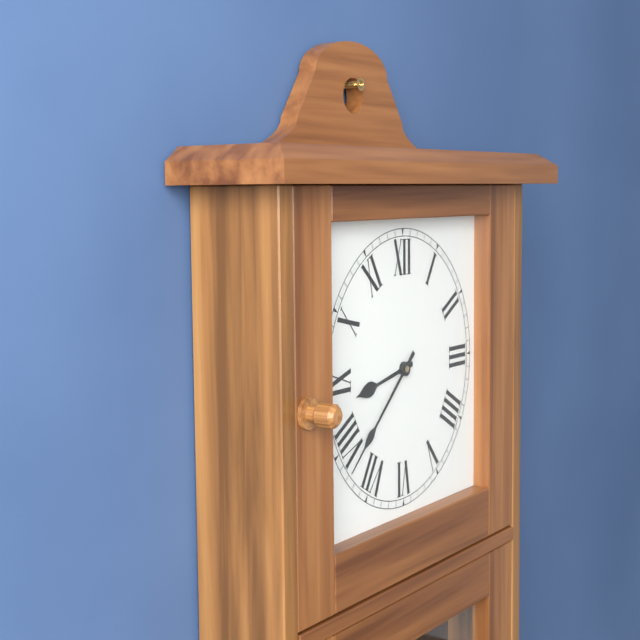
8.38
